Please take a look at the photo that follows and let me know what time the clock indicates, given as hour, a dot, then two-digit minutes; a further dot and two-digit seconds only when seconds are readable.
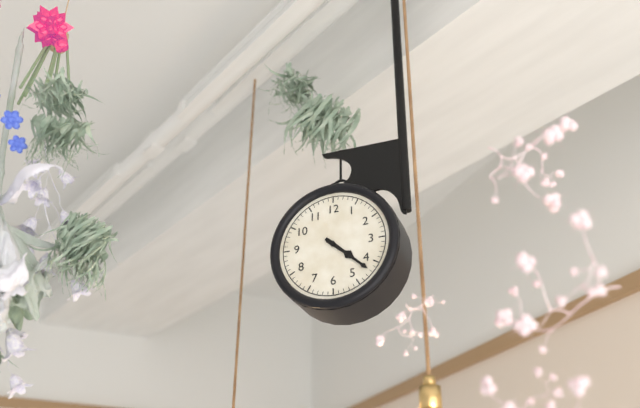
4.22
